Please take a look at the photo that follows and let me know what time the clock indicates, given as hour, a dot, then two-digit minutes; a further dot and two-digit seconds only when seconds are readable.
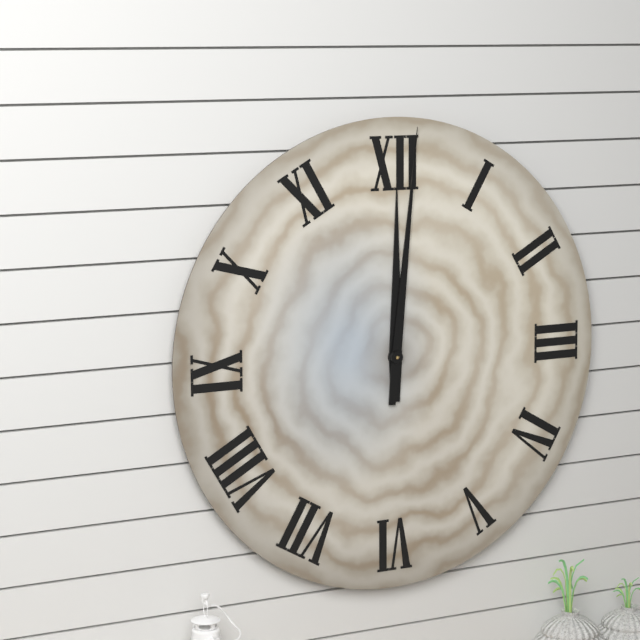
12.01
